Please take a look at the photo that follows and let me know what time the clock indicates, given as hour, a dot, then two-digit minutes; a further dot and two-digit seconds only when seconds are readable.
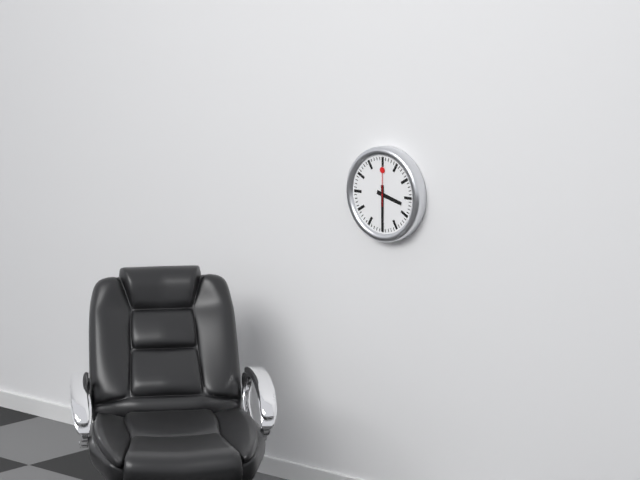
3.30
